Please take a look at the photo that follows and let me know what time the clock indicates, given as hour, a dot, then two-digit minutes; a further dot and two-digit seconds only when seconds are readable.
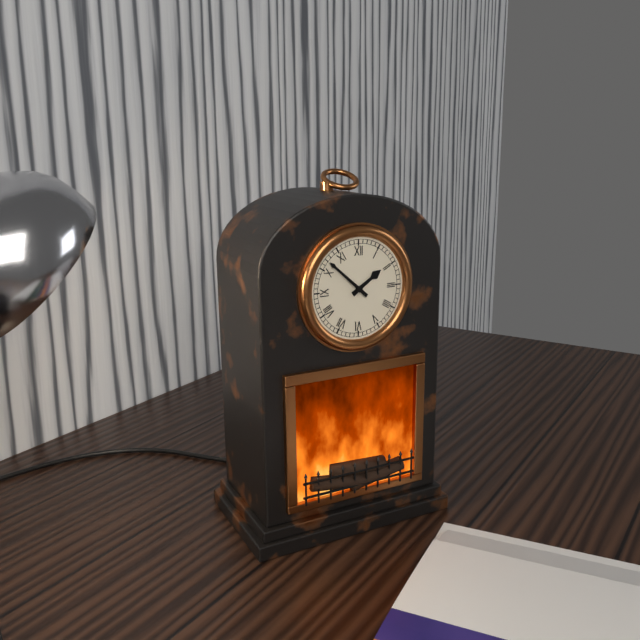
1.52
